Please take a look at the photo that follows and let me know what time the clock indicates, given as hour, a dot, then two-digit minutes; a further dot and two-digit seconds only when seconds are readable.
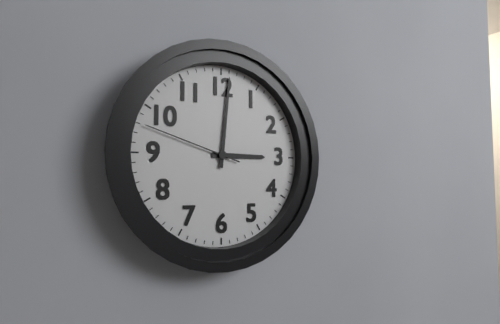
3.01.48
